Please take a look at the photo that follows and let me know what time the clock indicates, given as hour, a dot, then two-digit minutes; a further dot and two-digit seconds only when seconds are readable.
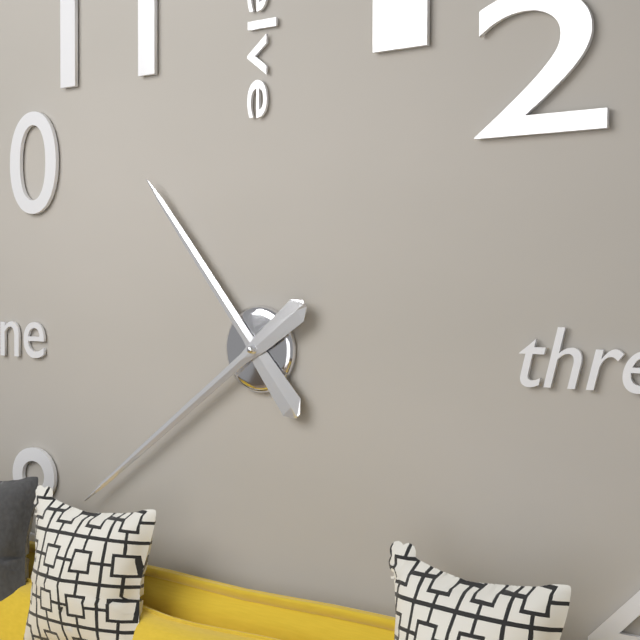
10.39
